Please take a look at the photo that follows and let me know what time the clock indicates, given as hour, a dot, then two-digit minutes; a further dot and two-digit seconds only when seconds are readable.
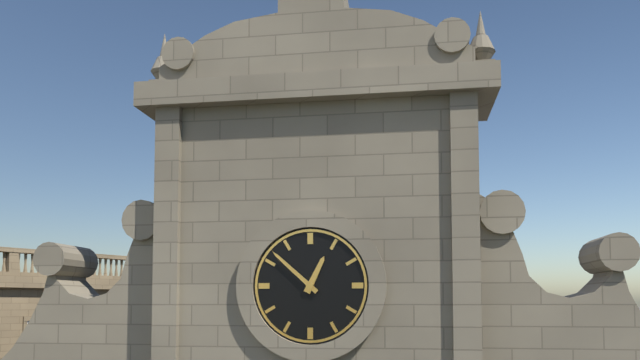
12.52
